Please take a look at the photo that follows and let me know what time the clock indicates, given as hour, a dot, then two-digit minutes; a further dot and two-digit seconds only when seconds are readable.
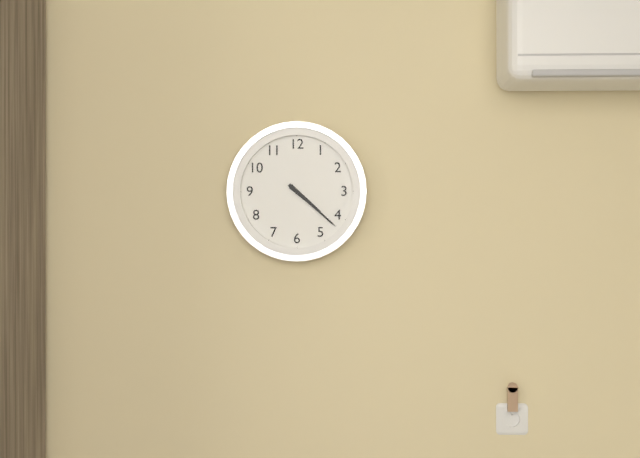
4.22
